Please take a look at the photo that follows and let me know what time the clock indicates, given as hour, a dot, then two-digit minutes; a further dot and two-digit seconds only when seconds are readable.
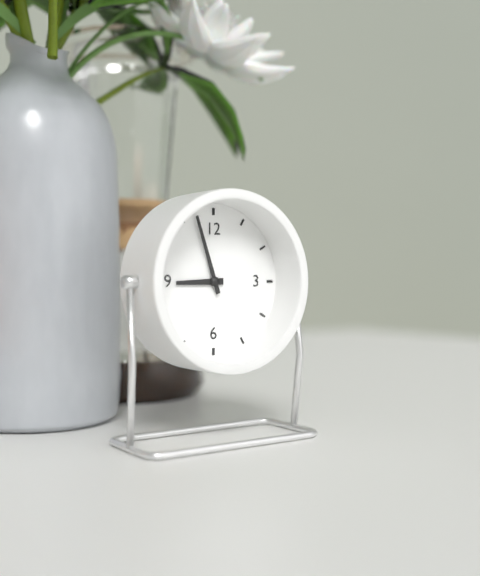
8.57
